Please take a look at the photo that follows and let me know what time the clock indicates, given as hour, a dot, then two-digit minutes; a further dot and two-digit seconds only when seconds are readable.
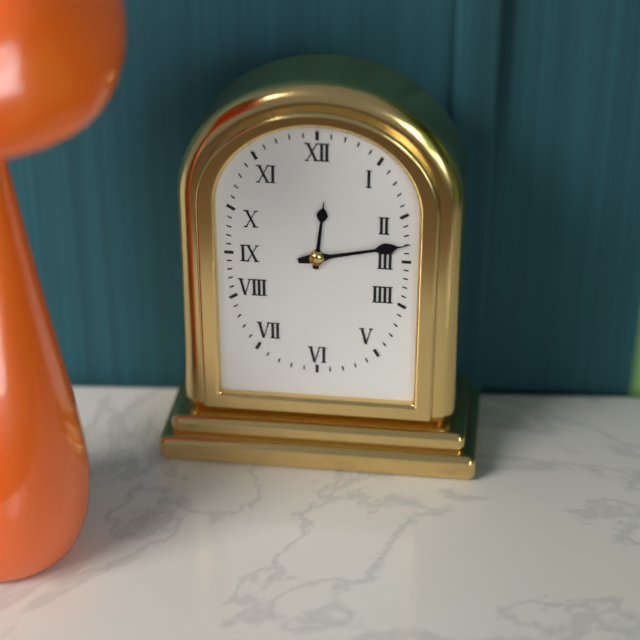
12.13
